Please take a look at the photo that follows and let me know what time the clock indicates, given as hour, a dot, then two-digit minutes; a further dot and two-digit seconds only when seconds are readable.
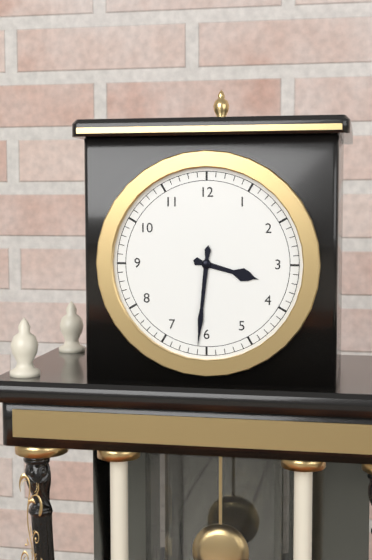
3.31
